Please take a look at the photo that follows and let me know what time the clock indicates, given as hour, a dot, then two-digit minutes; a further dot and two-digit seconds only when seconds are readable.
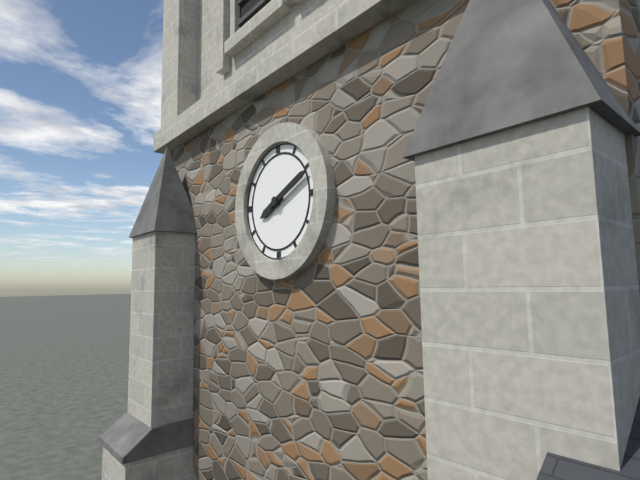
8.11
